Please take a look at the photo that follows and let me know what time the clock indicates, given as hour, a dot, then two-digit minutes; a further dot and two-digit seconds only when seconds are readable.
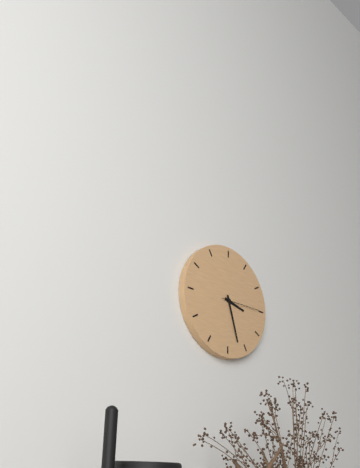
3.27
